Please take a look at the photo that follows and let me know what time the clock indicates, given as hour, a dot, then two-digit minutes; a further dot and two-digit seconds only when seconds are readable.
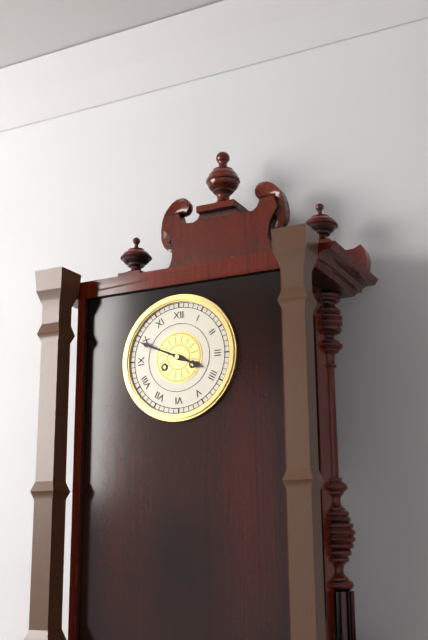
3.49
